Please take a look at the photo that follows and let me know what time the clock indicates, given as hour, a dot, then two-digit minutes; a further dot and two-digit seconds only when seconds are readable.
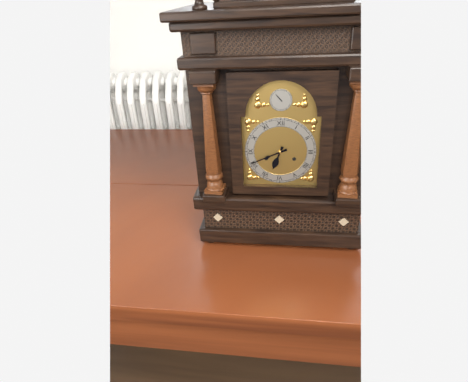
6.41
